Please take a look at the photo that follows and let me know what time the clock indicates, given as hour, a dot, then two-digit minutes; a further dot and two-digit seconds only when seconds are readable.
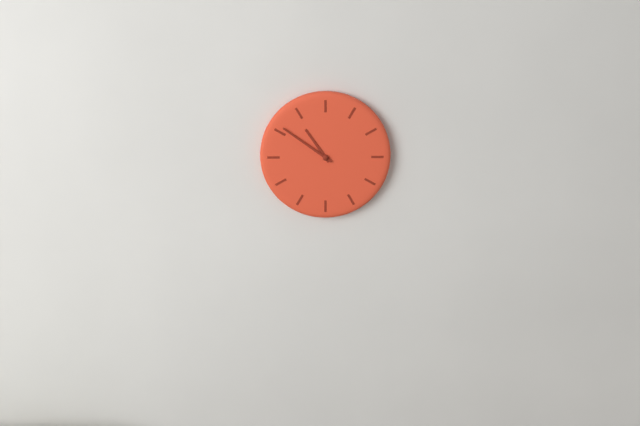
10.51
